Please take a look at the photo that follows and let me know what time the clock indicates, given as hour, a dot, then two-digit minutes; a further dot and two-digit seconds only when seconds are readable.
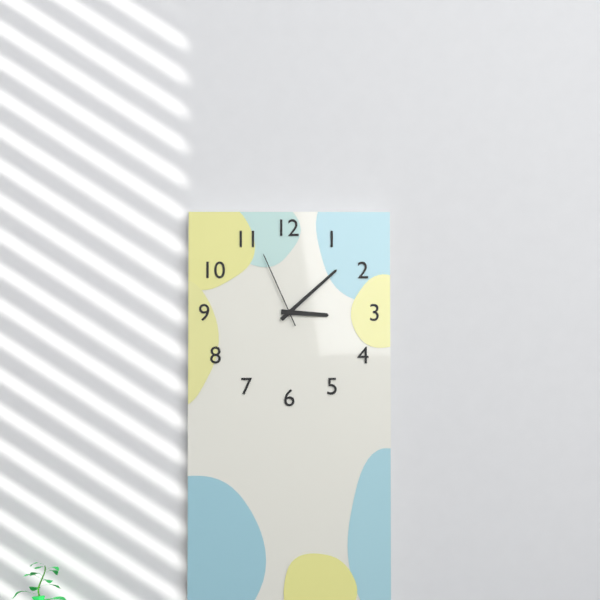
3.08.56
